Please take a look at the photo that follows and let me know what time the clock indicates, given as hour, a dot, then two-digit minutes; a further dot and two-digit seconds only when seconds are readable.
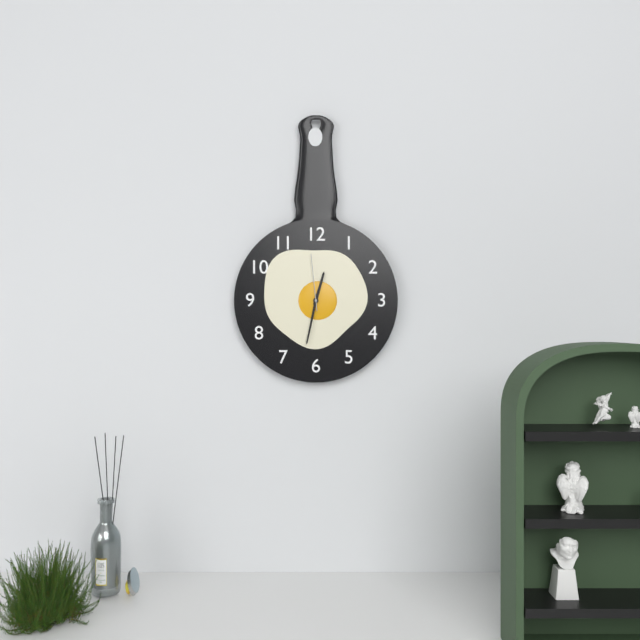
12.32.59
